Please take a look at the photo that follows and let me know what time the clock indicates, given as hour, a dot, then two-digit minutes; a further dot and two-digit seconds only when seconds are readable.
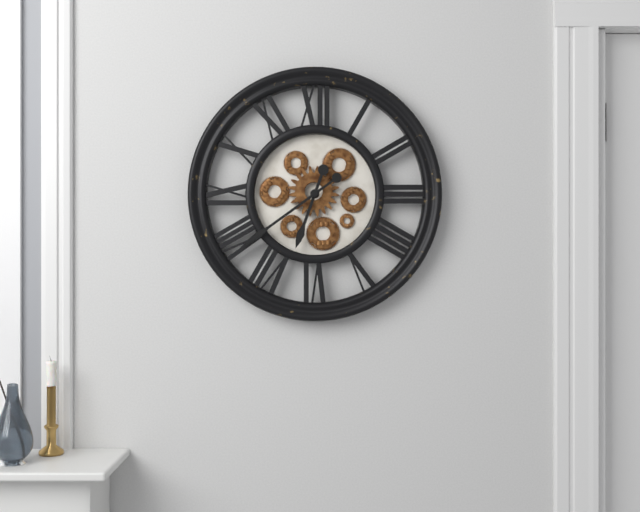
6.39
